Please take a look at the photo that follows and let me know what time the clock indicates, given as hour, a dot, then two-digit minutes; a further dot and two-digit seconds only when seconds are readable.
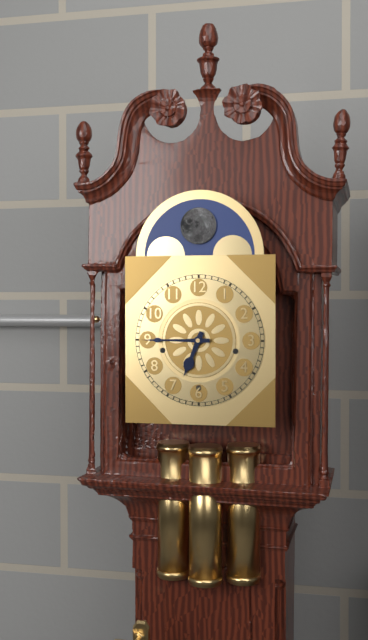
6.45
